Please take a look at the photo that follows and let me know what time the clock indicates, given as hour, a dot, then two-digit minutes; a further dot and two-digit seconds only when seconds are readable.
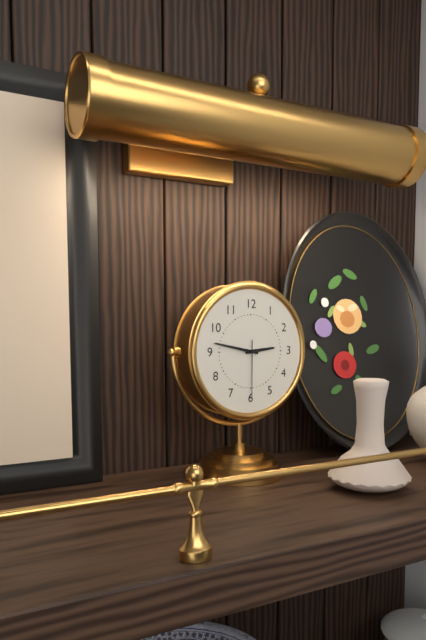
2.47.30
